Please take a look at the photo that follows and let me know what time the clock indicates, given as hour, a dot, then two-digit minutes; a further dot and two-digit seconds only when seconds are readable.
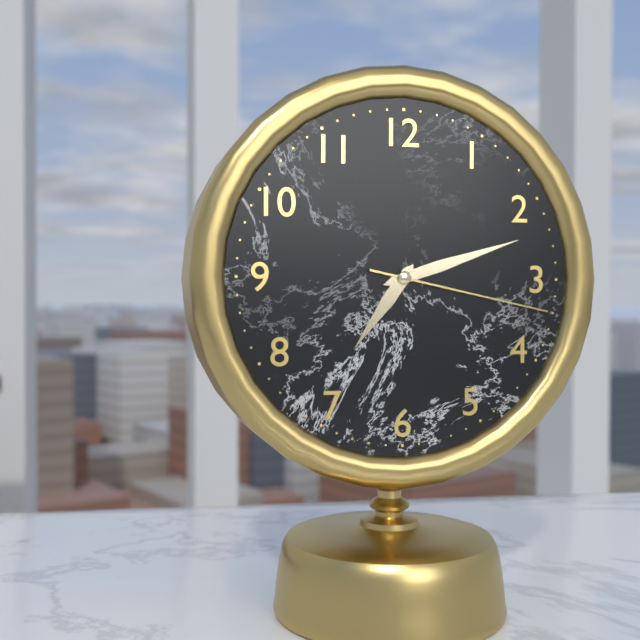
7.12.17
